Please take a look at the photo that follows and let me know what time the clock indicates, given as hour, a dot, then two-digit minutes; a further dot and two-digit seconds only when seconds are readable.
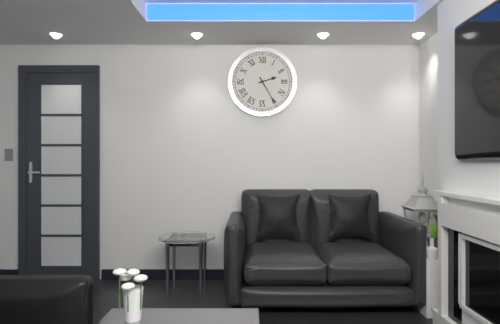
2.25
